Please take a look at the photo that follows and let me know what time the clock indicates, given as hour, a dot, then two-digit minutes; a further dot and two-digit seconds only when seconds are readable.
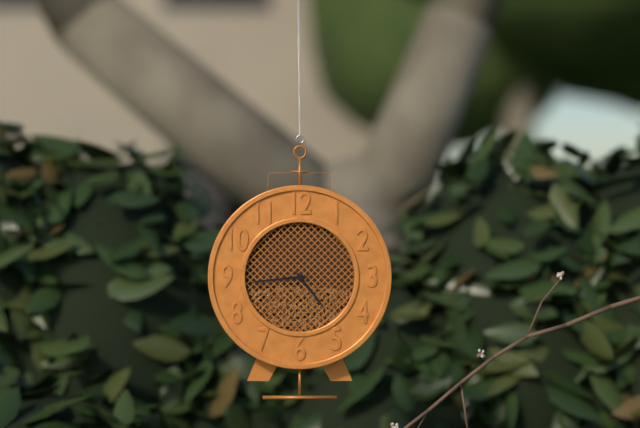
4.44
